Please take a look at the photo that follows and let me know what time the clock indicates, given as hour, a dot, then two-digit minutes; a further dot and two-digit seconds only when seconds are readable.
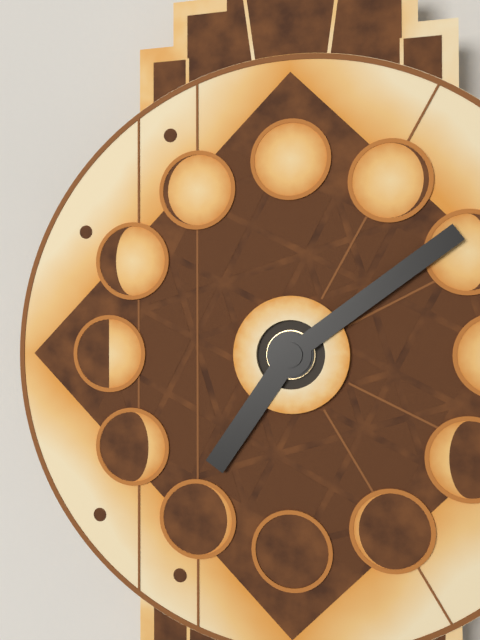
7.09
